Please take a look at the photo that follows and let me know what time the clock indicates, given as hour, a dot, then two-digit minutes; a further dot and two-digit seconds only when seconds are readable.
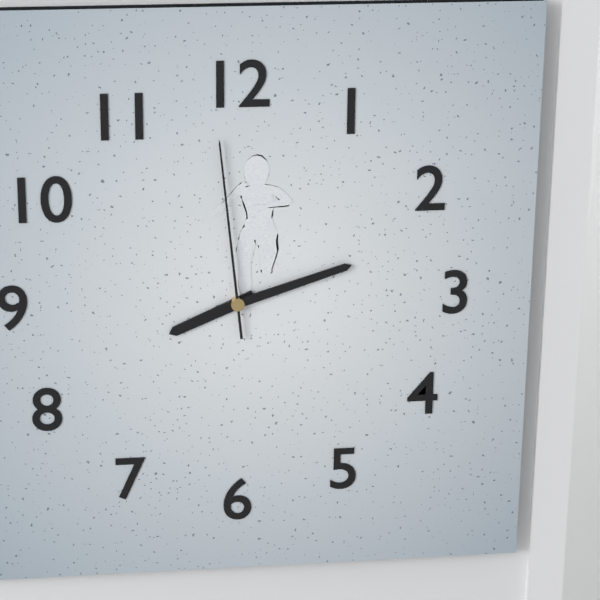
8.12.59
